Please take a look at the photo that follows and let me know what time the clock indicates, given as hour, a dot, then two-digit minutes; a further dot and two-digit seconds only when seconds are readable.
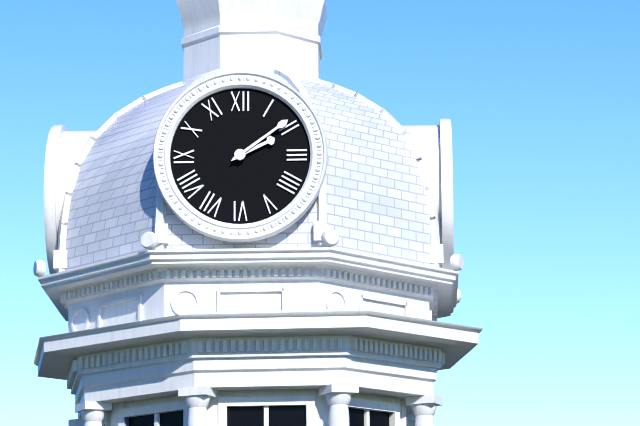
2.09
